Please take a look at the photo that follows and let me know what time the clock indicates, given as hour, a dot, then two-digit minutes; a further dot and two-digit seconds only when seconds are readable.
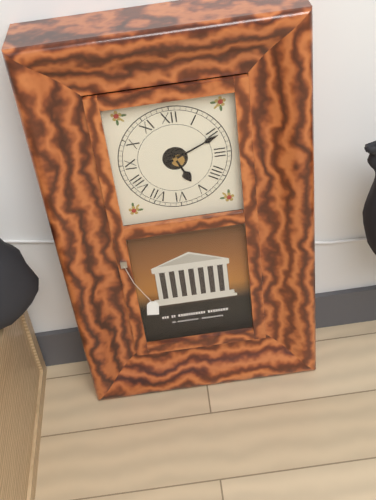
5.11
